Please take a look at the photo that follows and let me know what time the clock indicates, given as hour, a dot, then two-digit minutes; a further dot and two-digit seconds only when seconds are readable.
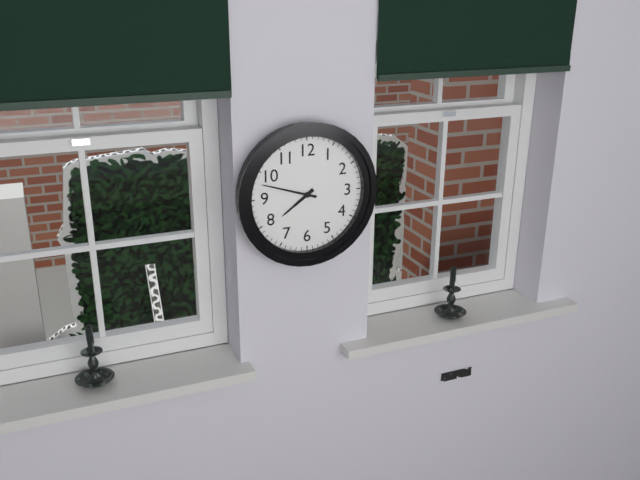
7.48
